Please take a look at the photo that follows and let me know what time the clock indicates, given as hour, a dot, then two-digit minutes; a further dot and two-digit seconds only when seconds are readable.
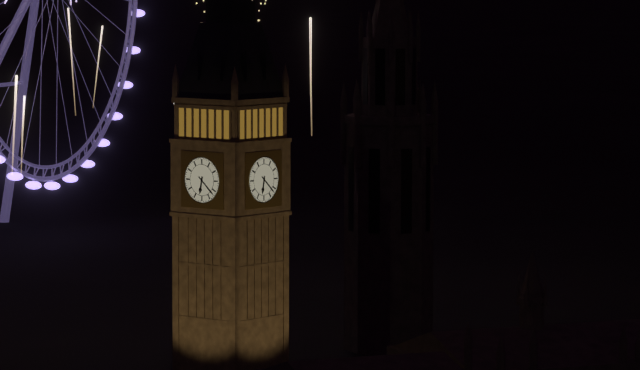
6.22
